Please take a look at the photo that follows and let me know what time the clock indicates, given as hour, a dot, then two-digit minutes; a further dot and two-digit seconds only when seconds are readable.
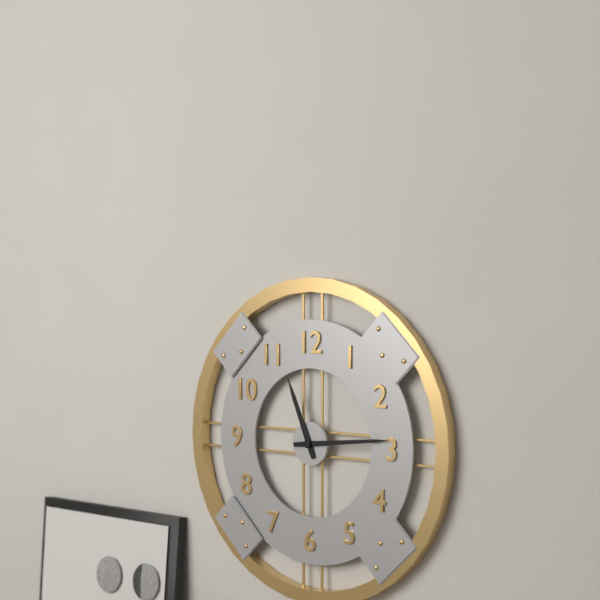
11.14
